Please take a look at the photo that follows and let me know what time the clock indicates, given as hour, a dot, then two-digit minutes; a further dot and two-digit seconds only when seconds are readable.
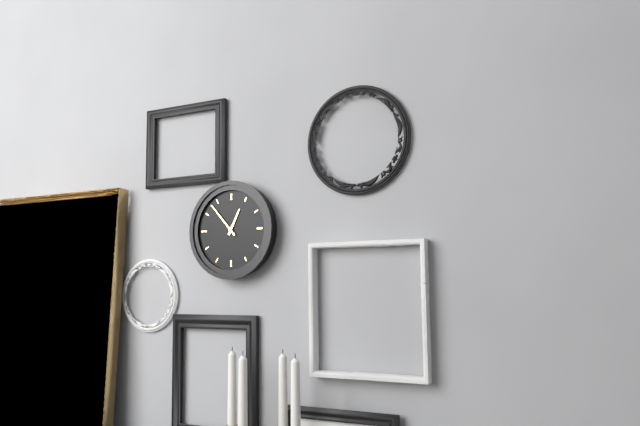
12.53
